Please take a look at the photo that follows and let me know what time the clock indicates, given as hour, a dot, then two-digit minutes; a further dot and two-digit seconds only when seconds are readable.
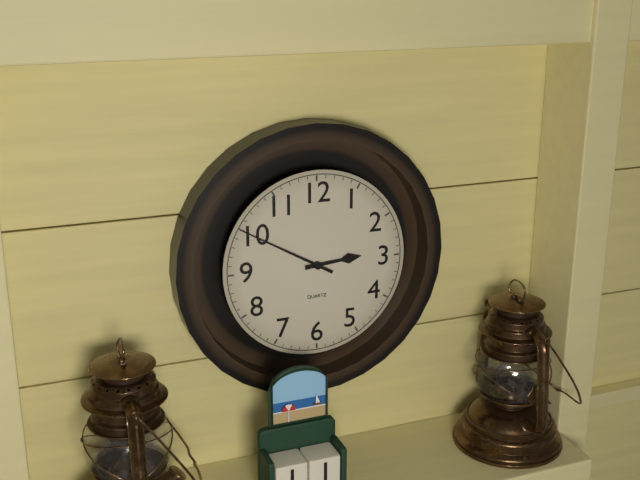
2.50
